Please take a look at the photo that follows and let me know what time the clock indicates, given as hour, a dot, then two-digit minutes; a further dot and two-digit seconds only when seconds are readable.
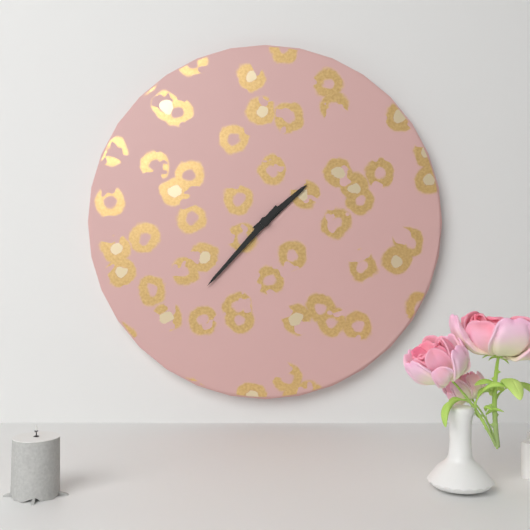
1.37
